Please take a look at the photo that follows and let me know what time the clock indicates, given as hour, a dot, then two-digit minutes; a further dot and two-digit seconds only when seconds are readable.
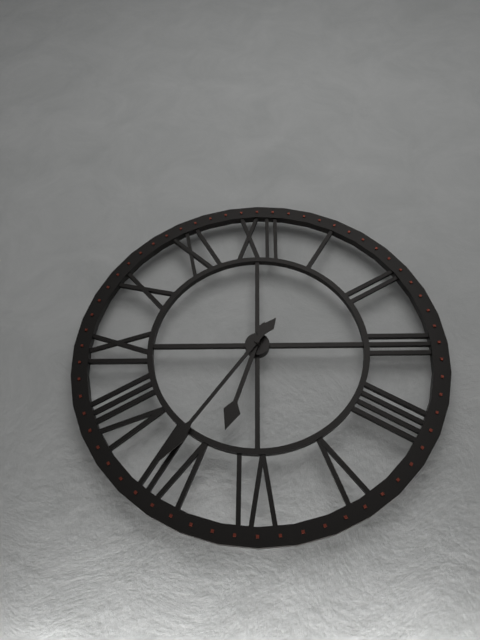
6.36
